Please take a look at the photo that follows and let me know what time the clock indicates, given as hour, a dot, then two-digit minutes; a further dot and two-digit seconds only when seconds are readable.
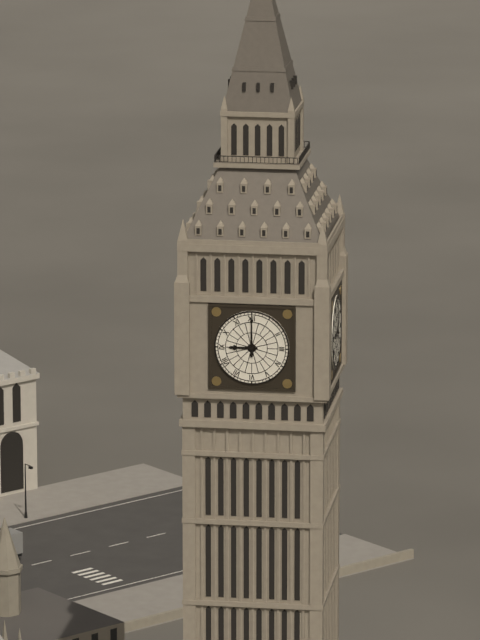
9.00
